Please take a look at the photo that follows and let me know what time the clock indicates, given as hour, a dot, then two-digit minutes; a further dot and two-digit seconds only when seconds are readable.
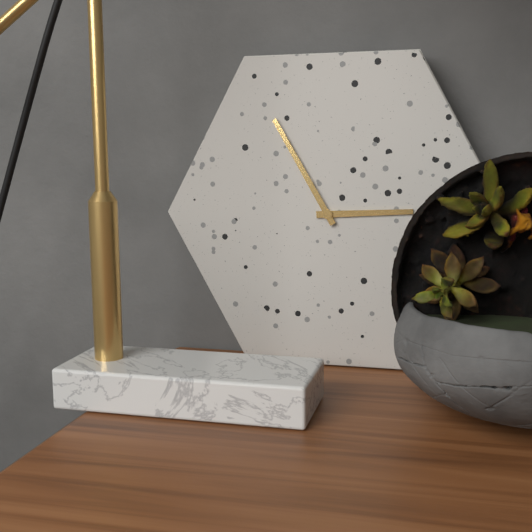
2.55
